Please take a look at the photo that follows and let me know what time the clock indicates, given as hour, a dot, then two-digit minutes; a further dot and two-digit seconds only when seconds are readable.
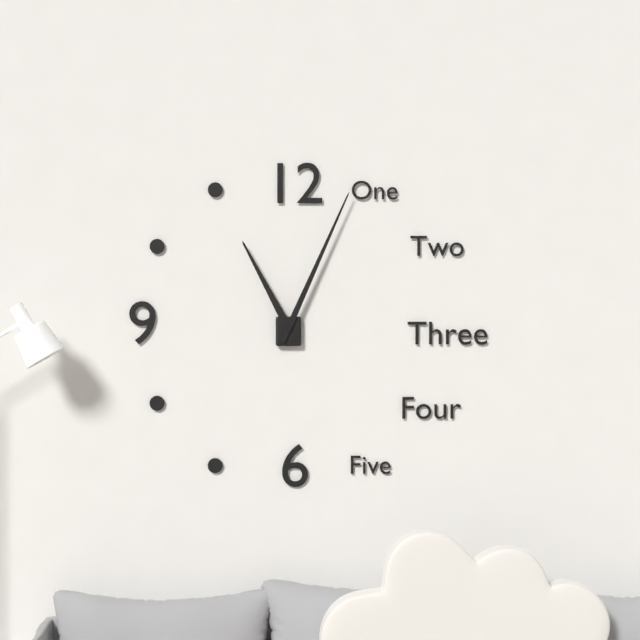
11.04
